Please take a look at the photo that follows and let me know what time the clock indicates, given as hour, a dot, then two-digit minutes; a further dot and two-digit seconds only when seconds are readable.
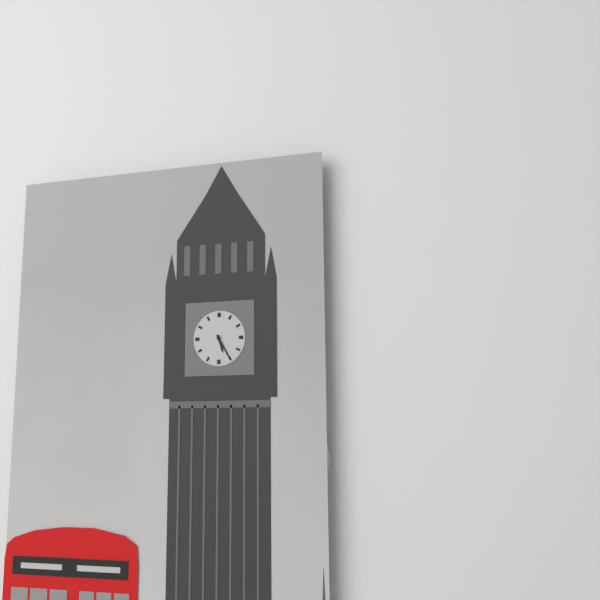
5.25
